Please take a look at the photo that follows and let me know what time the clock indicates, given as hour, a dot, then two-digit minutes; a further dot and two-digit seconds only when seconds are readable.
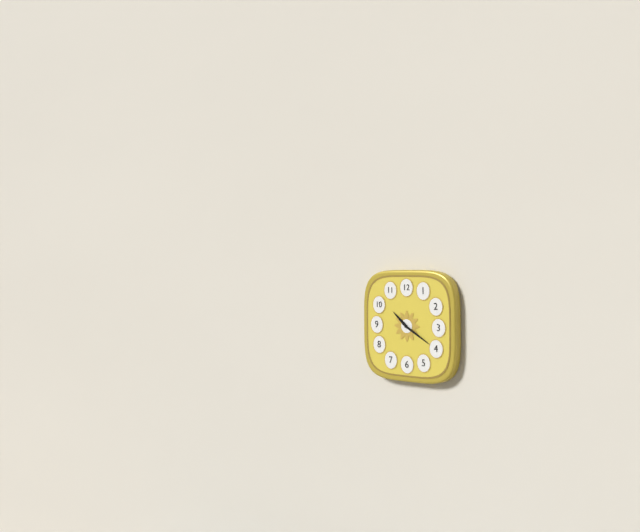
10.20
